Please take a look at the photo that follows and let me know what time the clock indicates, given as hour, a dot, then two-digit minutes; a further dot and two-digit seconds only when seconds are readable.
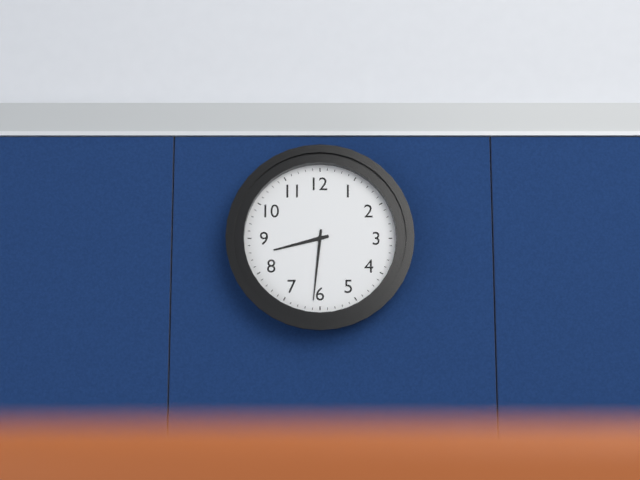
8.31
